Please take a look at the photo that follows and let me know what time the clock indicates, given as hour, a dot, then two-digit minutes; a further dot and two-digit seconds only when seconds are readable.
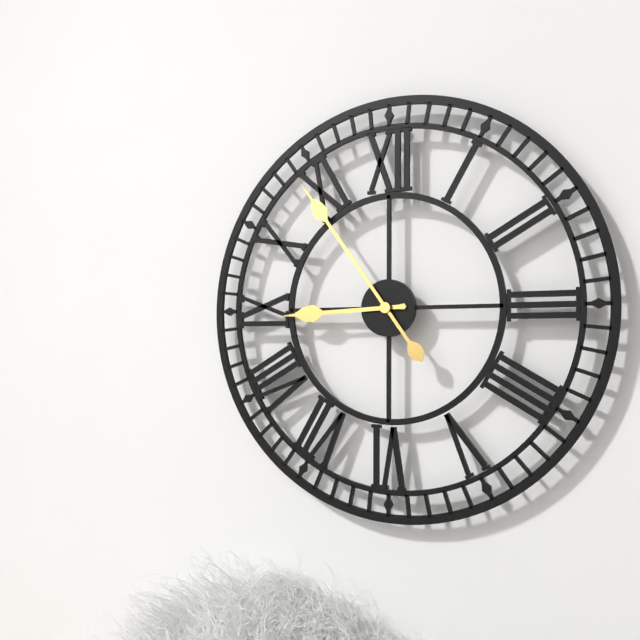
8.54
